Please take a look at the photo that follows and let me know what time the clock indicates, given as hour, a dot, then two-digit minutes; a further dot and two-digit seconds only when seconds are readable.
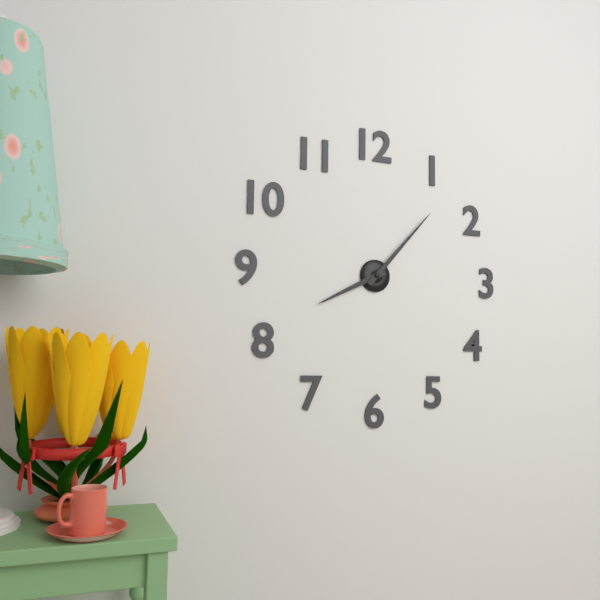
8.07
